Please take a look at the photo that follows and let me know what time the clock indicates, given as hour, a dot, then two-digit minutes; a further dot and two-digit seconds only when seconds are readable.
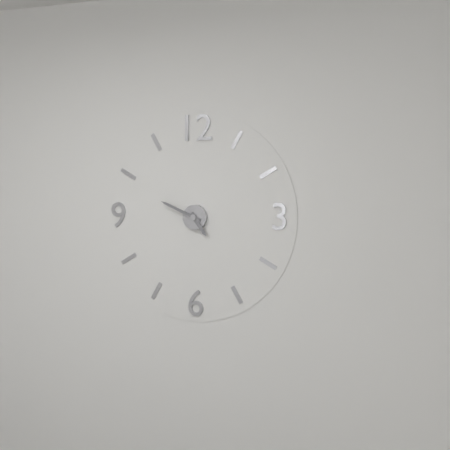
4.49
